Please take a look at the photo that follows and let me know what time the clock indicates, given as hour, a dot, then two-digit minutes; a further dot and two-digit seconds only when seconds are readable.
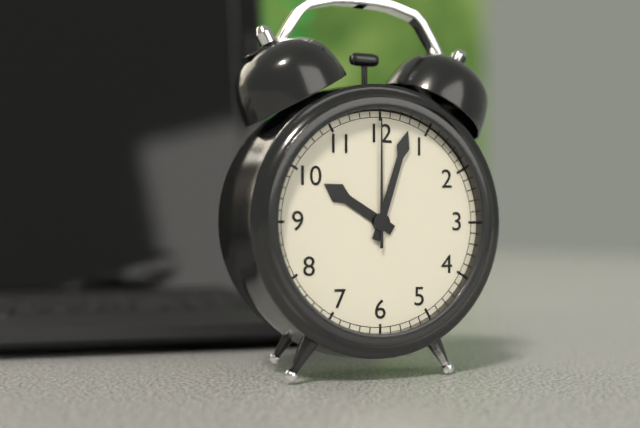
10.03.00
